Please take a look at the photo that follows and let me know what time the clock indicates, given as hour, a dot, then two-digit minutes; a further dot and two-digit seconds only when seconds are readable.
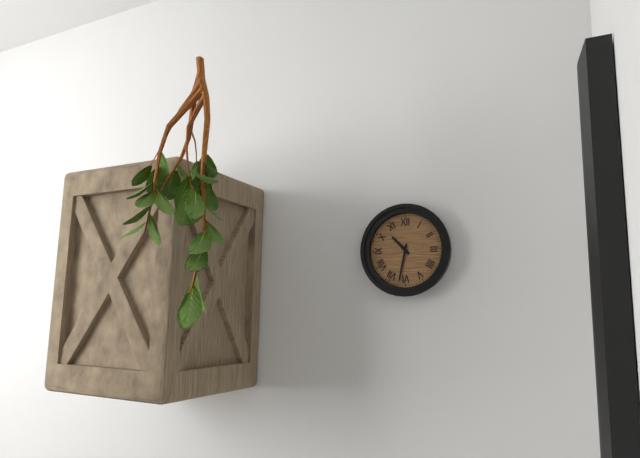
10.32
